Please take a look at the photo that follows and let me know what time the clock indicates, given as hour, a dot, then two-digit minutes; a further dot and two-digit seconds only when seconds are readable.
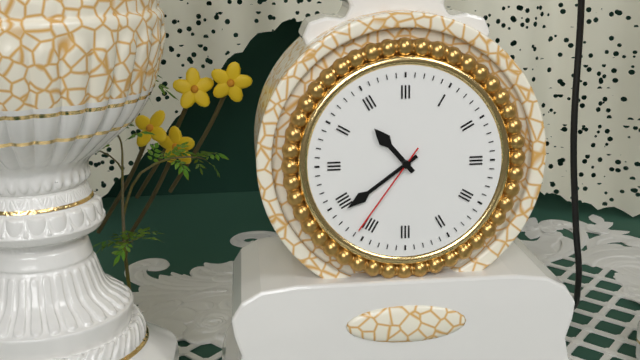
10.39.36
